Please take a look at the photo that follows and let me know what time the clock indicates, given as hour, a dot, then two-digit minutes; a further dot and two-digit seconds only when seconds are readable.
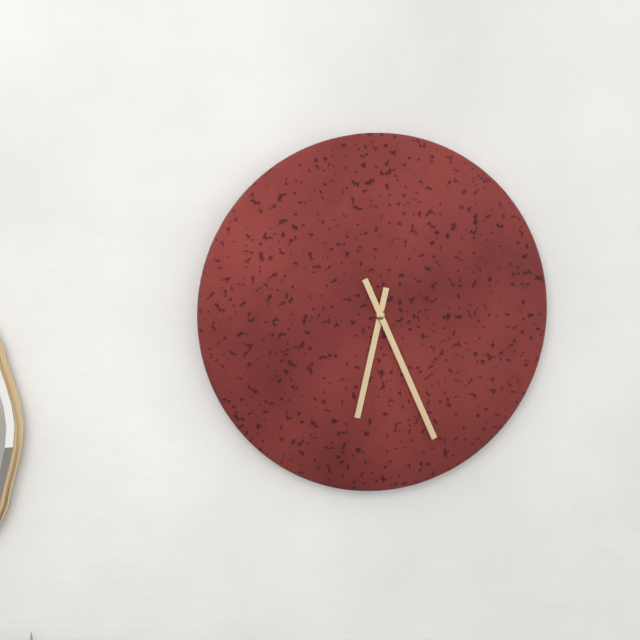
6.26
